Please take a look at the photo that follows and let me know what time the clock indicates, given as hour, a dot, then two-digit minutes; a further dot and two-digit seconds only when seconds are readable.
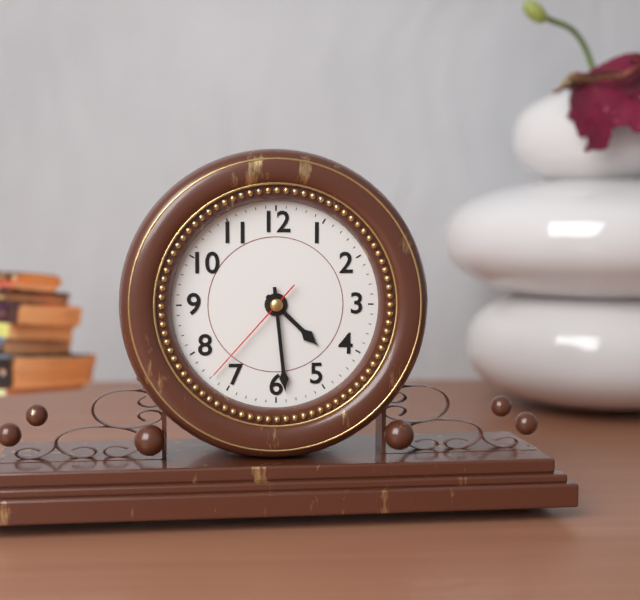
4.29.37
